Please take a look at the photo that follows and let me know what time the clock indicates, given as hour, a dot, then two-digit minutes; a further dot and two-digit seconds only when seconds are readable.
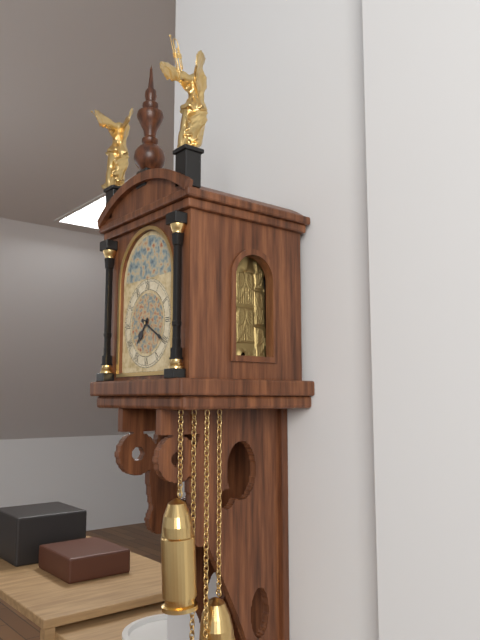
7.20
